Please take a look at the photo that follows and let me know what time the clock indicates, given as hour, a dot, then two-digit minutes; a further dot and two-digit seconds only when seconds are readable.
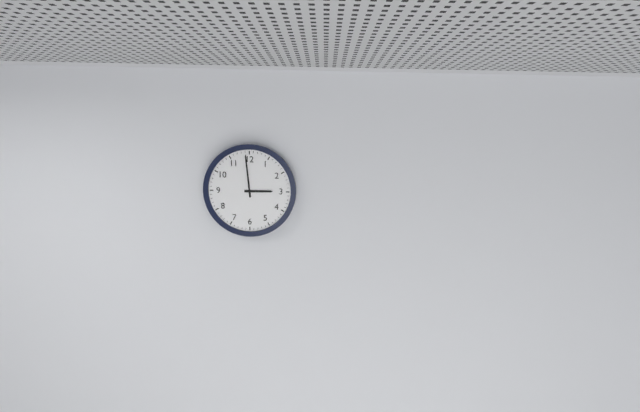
2.59
